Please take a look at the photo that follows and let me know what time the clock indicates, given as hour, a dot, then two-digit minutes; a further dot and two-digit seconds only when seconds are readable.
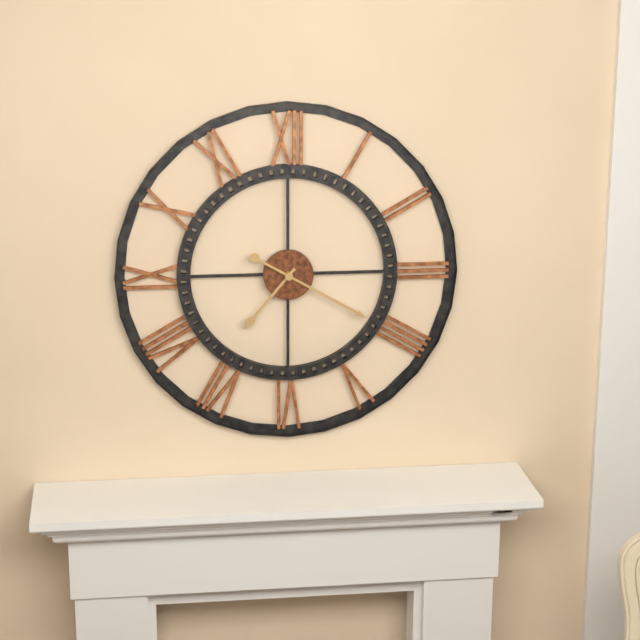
7.20
